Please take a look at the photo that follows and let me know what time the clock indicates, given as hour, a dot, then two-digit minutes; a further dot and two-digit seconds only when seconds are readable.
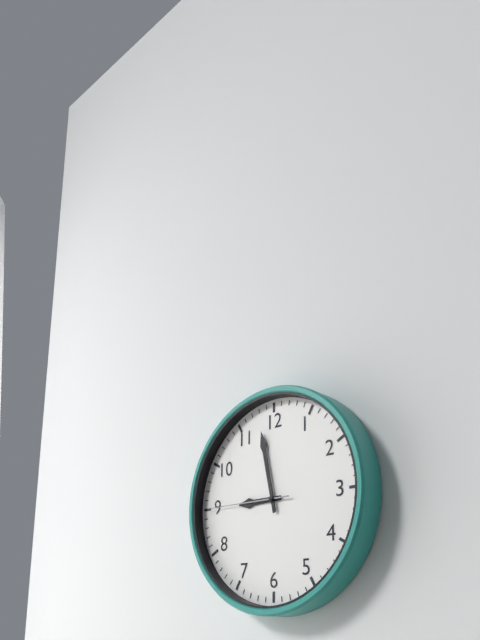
8.58.45
